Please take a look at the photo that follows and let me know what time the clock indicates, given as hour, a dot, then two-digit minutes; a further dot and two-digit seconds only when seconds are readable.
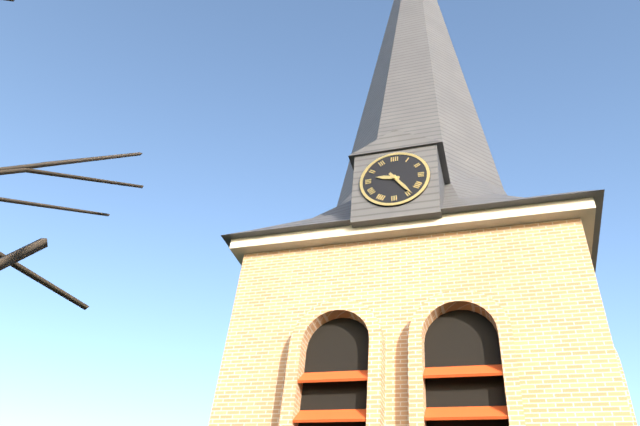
9.24
